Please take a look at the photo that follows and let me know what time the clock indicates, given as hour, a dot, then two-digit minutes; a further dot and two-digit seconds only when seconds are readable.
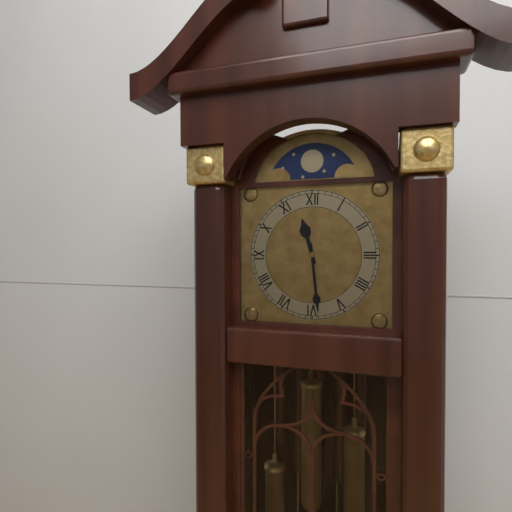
11.29
